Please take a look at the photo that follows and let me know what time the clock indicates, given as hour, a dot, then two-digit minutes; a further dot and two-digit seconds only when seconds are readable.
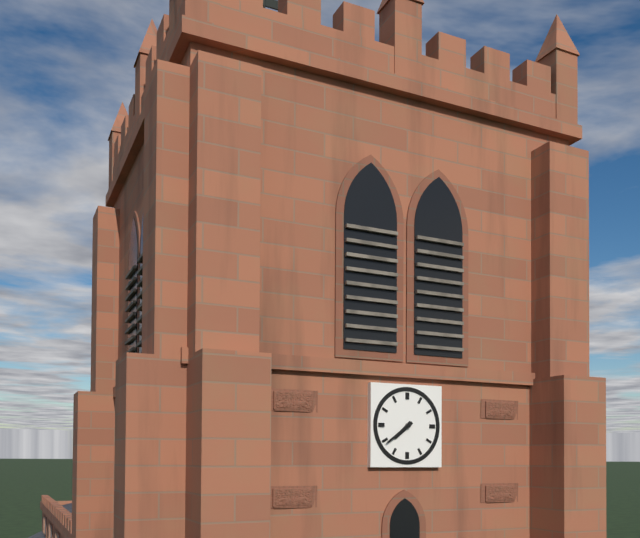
7.39
